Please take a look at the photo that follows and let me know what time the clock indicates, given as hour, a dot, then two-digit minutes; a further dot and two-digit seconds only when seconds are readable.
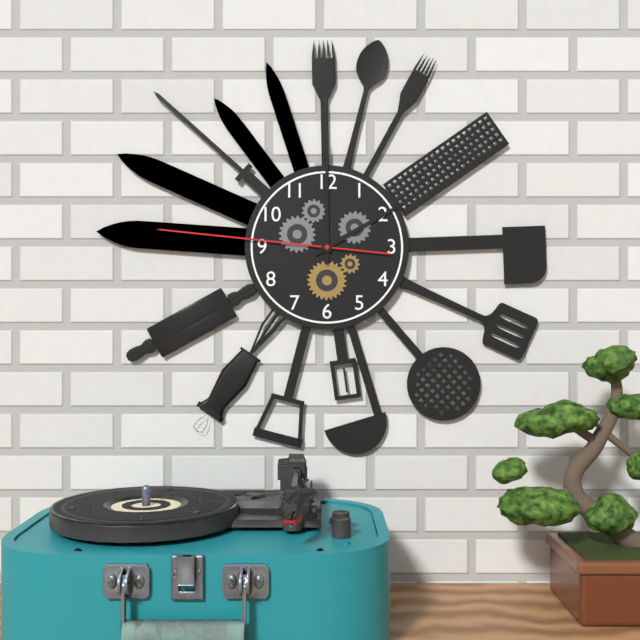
2.00.46
